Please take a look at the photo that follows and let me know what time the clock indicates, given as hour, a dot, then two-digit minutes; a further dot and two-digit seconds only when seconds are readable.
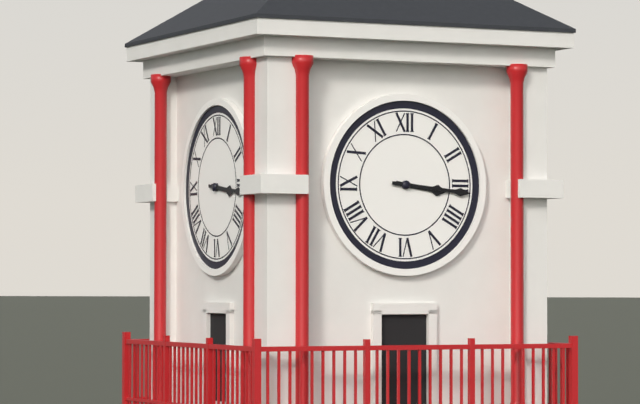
3.16
